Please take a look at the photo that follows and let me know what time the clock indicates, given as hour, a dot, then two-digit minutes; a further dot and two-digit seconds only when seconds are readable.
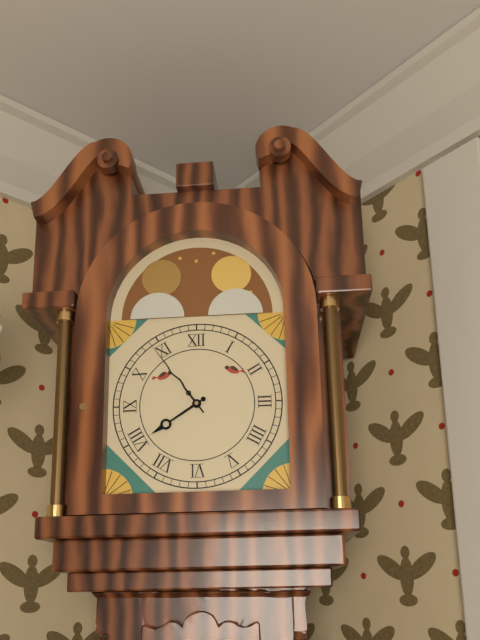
7.54
